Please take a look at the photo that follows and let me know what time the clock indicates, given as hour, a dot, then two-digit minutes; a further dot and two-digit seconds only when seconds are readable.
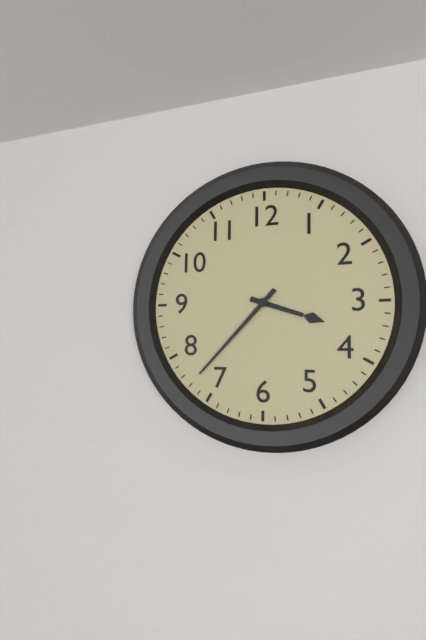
3.37
